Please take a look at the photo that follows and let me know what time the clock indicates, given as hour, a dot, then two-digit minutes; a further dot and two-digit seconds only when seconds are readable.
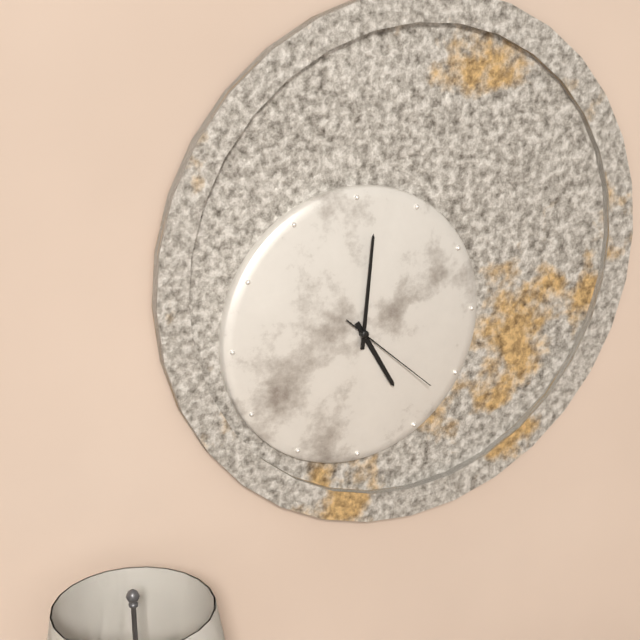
5.01.22
